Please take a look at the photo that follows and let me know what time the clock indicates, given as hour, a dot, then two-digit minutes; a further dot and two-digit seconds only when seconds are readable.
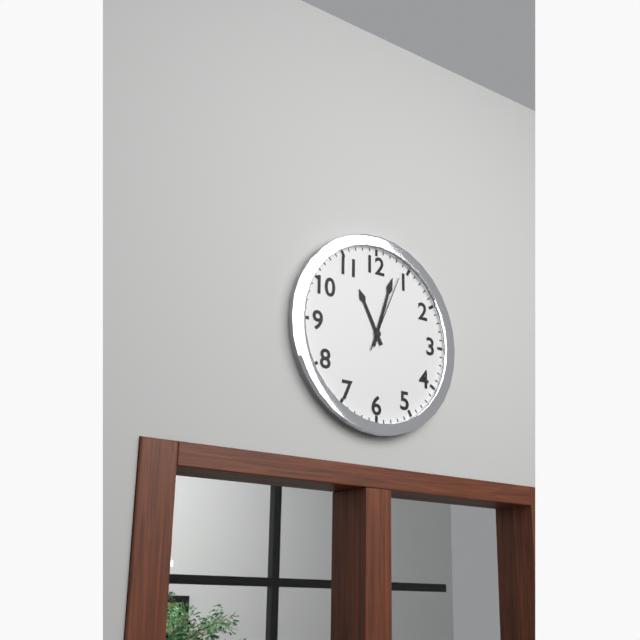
11.03.04
